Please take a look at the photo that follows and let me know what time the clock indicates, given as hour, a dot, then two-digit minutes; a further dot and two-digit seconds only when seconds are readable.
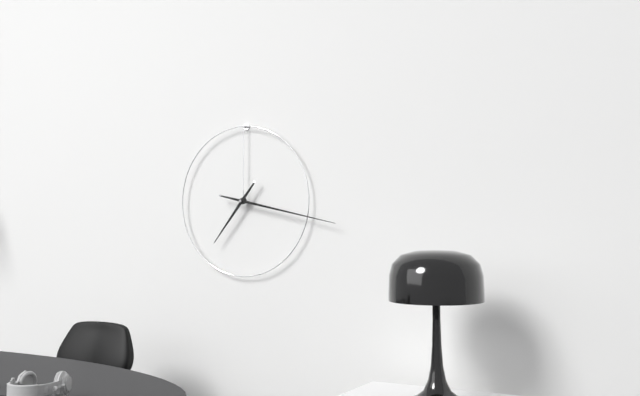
7.17
